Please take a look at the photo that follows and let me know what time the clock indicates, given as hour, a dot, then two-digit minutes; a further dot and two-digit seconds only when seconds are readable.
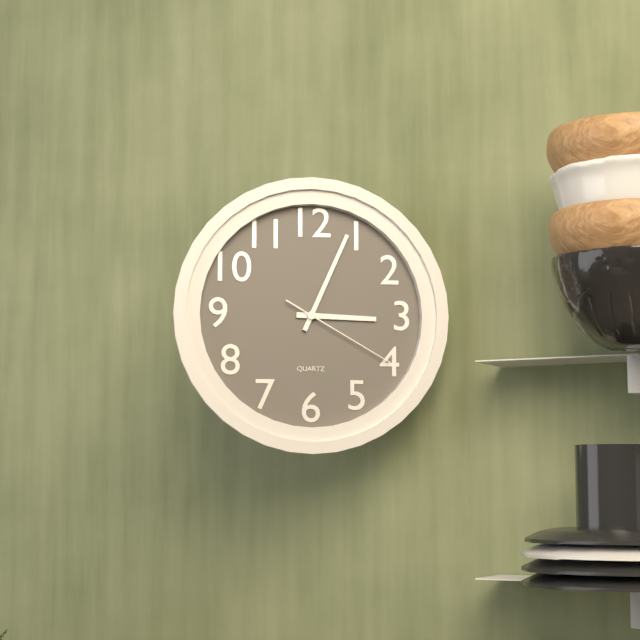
3.04.20
